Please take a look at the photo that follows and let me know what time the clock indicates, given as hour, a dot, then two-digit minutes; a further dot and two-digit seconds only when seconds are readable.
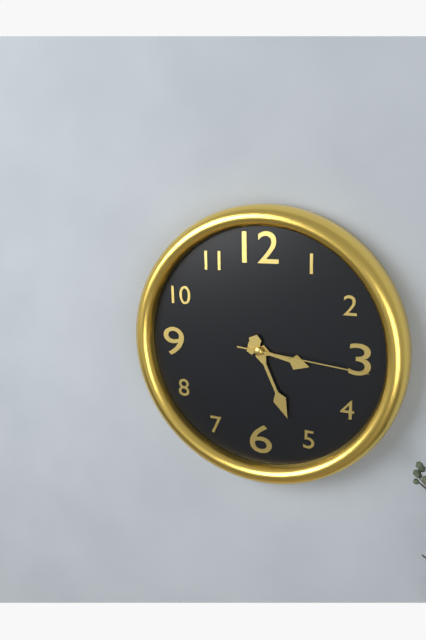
3.26.16
